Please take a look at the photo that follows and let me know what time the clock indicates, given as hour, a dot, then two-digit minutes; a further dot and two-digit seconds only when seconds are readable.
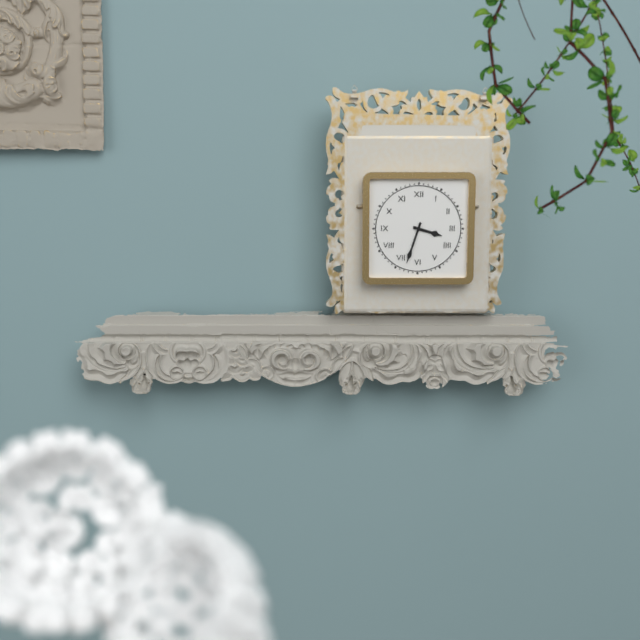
3.33
